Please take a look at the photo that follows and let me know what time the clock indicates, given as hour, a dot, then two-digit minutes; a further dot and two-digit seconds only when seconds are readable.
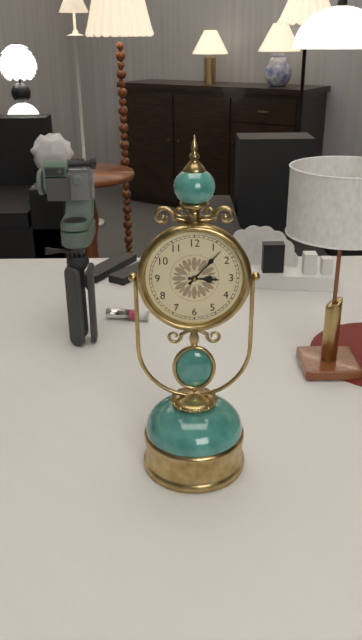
3.07
